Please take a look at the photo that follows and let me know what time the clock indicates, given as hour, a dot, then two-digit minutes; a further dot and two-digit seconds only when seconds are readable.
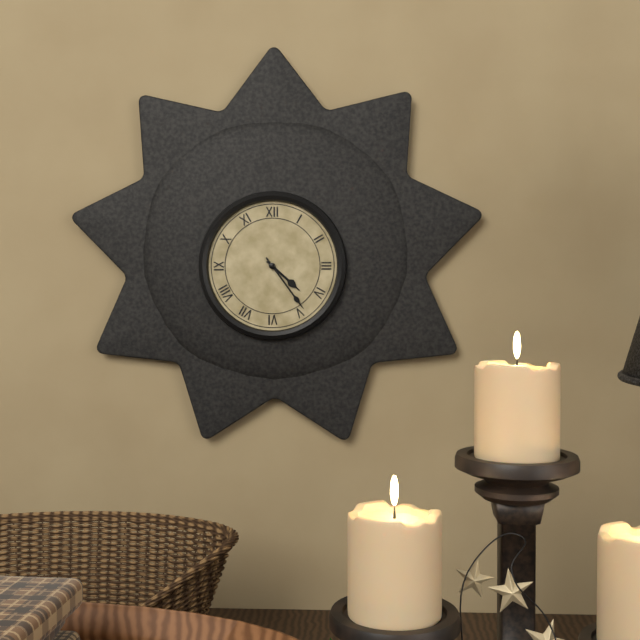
4.24
